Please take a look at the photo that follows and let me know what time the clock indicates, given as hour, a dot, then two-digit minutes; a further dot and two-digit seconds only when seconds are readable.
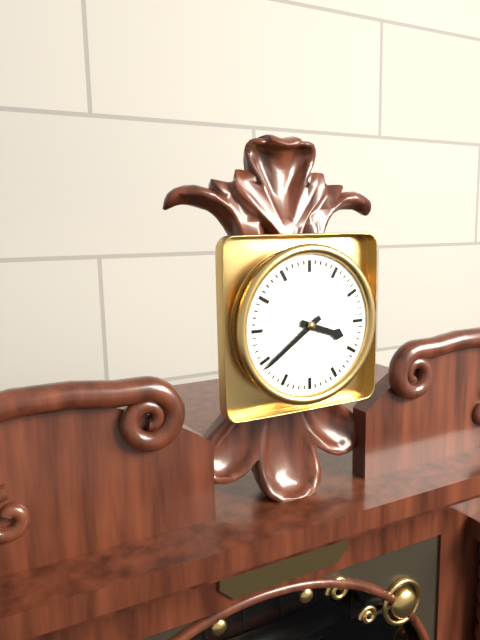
3.39
